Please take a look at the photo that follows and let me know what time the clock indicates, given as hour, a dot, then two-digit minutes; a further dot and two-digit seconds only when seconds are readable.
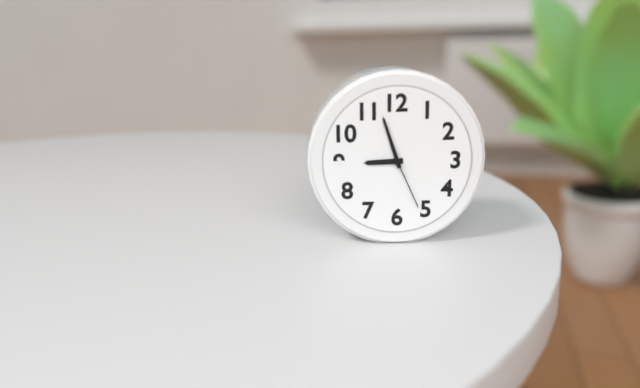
8.57.26
